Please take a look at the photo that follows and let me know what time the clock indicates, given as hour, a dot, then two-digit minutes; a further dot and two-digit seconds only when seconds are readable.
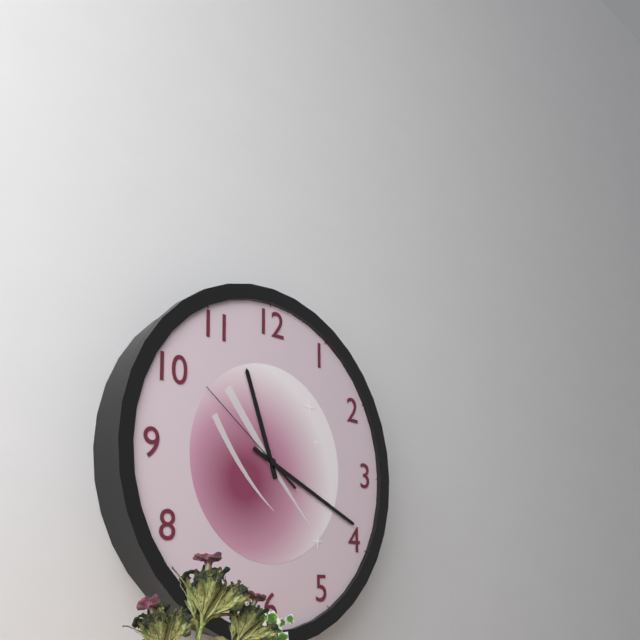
11.19.51
